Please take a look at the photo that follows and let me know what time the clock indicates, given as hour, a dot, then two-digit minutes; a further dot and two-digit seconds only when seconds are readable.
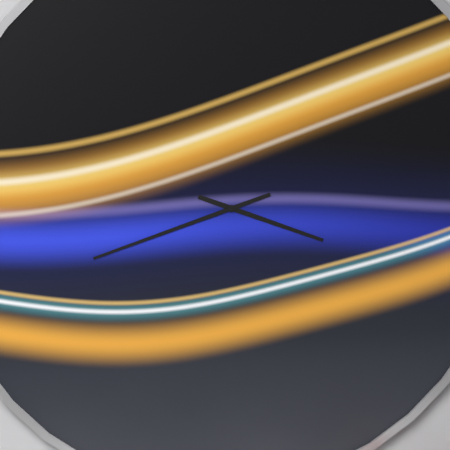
3.42
